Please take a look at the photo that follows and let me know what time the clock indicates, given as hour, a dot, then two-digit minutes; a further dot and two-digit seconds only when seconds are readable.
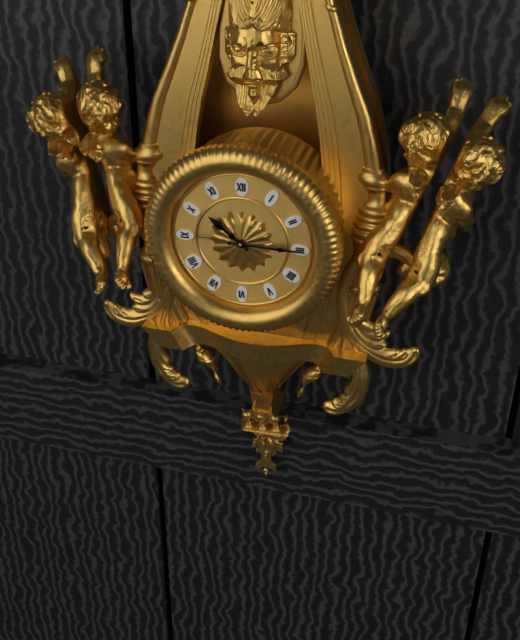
10.15
